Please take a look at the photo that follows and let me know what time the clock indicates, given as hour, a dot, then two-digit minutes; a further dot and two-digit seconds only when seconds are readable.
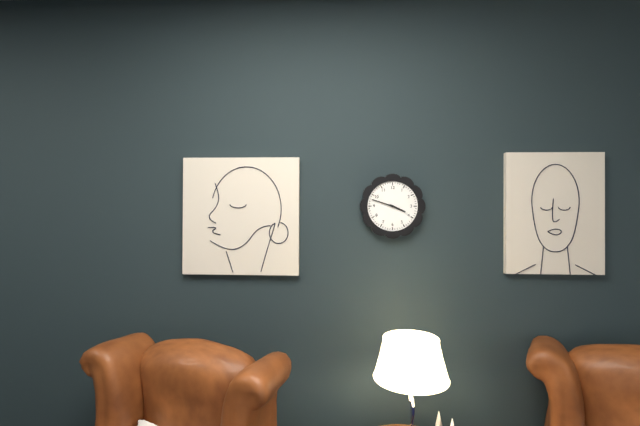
3.48
